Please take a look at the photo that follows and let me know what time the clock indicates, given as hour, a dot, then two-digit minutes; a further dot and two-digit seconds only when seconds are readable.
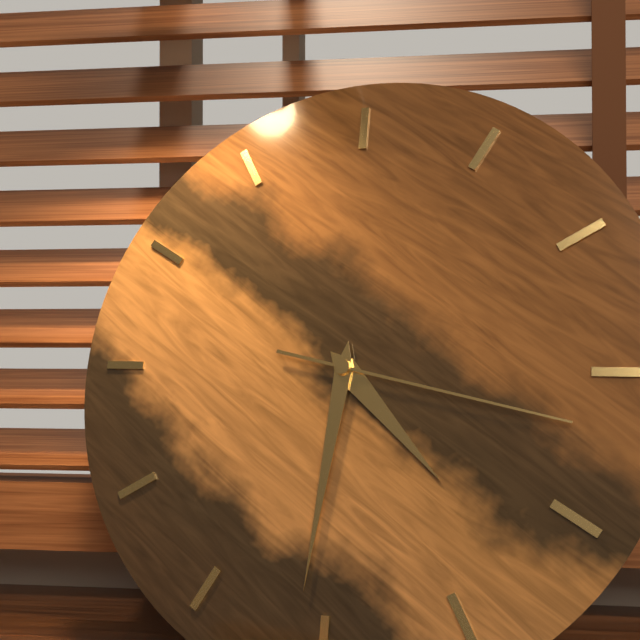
4.31.17
